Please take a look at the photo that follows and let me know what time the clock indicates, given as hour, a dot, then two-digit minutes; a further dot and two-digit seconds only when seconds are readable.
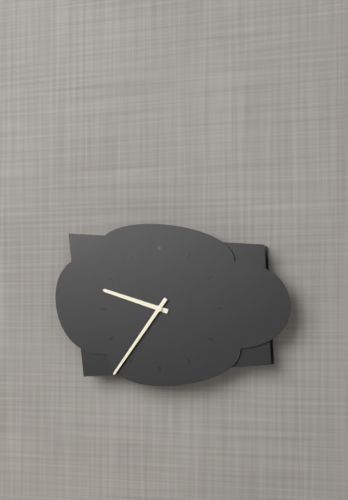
9.36
